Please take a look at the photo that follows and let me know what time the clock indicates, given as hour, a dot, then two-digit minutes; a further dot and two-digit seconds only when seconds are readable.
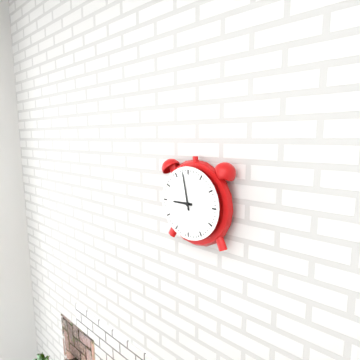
8.58
